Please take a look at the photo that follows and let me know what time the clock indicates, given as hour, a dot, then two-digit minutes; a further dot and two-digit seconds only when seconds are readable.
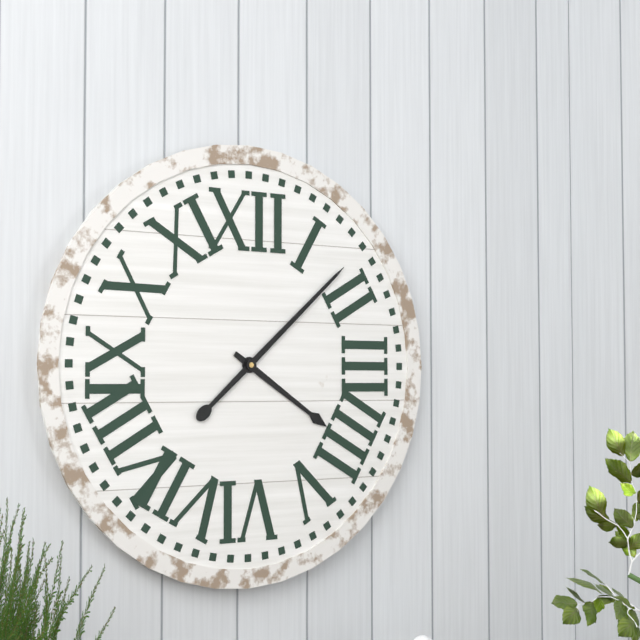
4.08
